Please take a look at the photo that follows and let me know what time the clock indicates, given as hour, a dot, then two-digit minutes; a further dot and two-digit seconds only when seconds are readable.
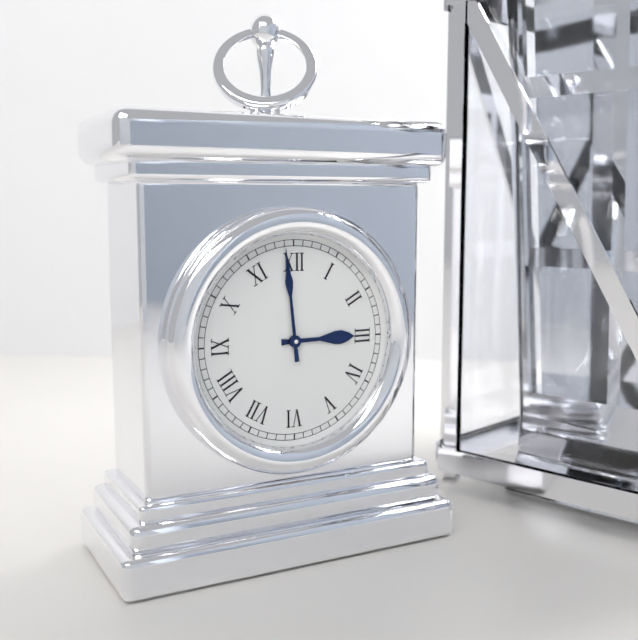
2.59
